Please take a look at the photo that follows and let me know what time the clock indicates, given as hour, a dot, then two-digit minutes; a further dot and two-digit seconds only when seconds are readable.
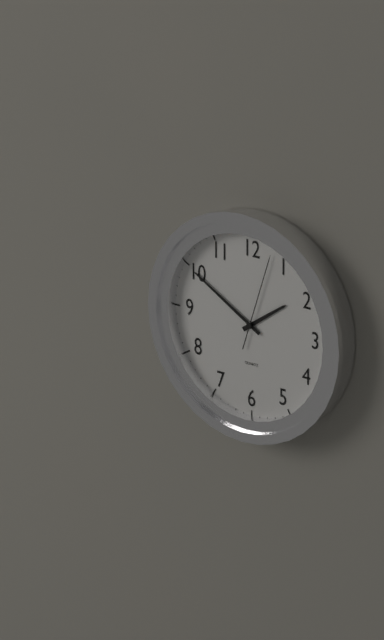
1.50.03
